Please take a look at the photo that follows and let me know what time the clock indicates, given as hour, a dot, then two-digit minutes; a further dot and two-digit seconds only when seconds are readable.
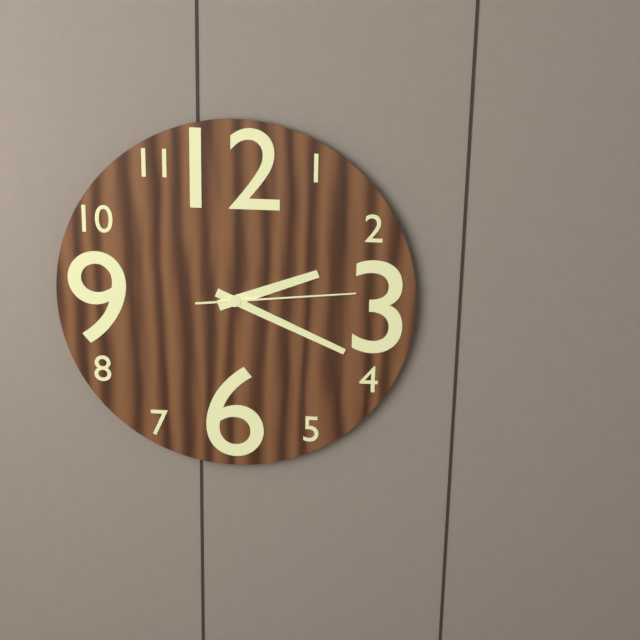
2.19.14
